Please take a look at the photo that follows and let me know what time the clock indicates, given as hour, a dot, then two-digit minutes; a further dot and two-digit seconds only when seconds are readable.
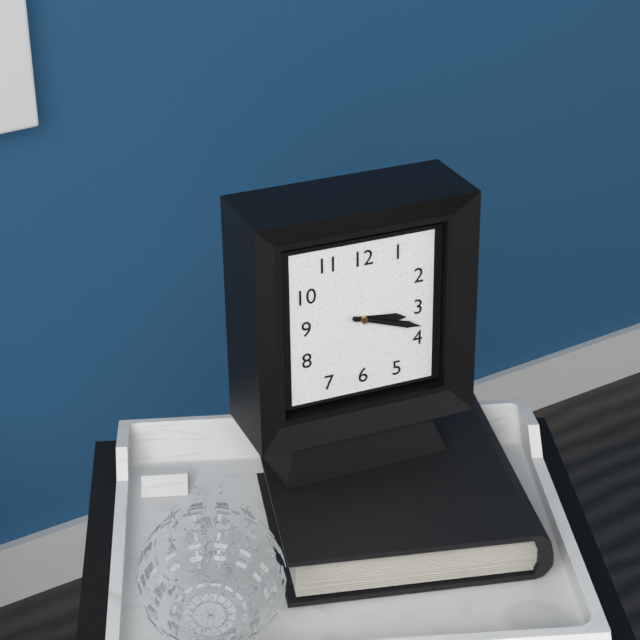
3.18
